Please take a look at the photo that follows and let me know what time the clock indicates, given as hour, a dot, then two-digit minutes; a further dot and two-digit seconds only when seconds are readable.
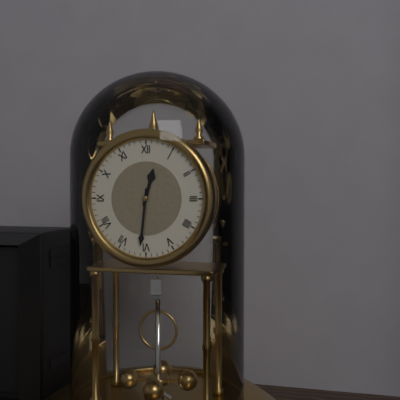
12.31
